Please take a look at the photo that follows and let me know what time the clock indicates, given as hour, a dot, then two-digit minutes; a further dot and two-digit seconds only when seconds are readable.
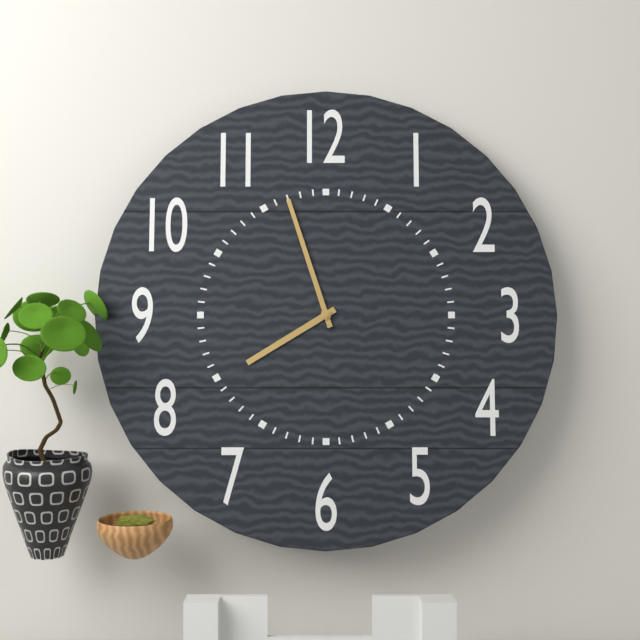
7.57
